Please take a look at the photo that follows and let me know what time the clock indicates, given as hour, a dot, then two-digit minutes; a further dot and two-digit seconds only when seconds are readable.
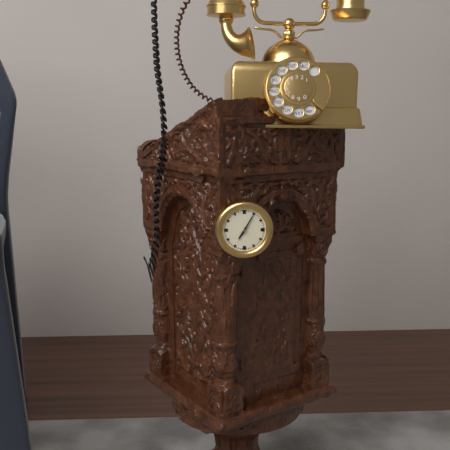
7.05
